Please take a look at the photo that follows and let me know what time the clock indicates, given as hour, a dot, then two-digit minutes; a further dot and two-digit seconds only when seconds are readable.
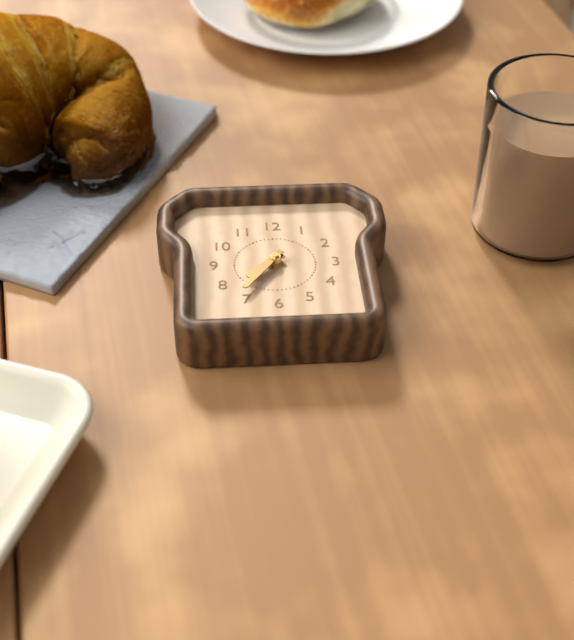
7.36
